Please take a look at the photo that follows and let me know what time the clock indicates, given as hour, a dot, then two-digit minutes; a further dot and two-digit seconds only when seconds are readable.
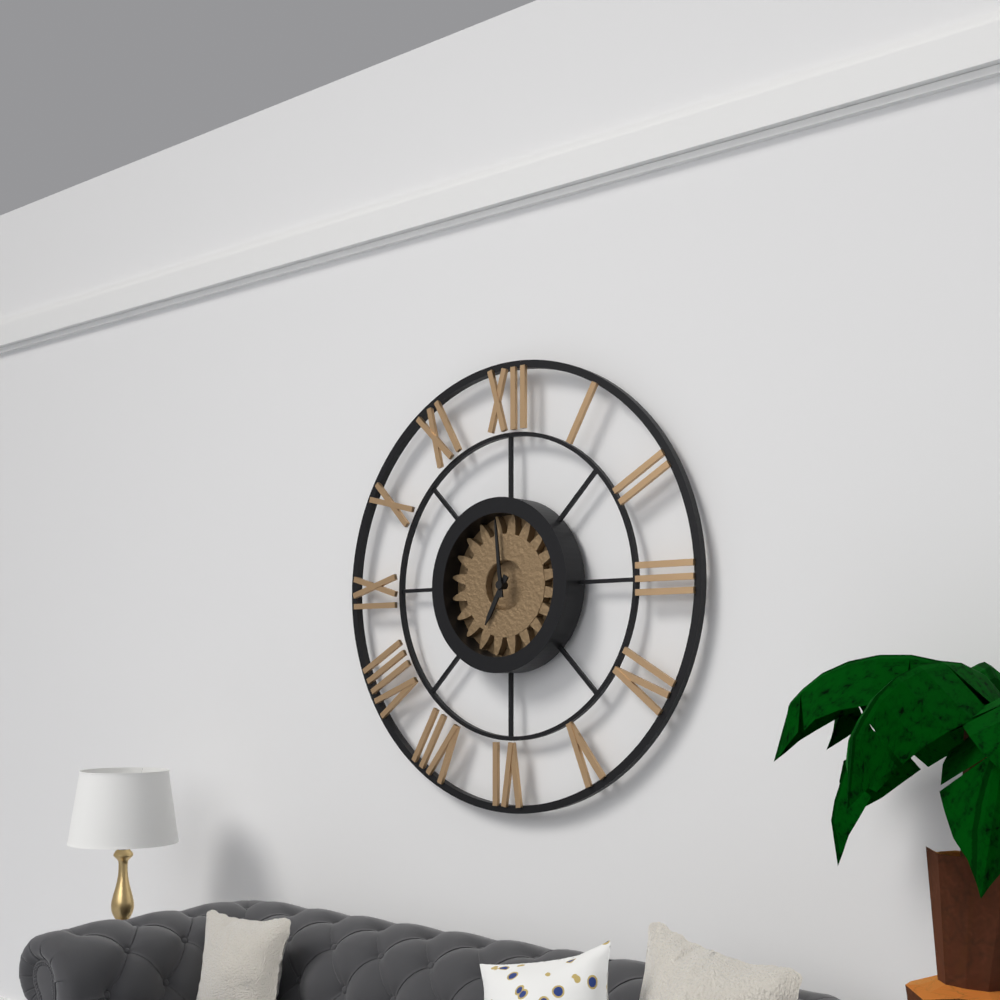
6.59
